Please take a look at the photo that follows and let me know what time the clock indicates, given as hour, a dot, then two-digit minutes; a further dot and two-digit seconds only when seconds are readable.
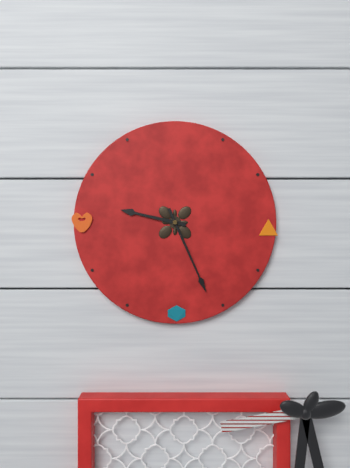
9.26
